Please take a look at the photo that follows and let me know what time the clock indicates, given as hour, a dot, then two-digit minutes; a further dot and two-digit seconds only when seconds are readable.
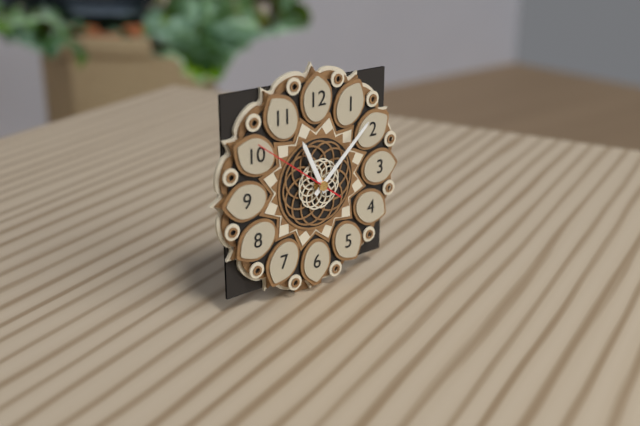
11.08.51
